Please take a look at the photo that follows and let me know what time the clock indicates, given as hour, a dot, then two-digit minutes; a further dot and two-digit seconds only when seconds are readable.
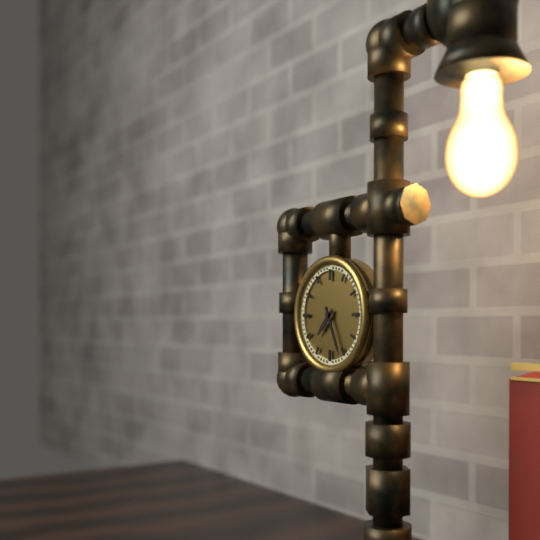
7.26
